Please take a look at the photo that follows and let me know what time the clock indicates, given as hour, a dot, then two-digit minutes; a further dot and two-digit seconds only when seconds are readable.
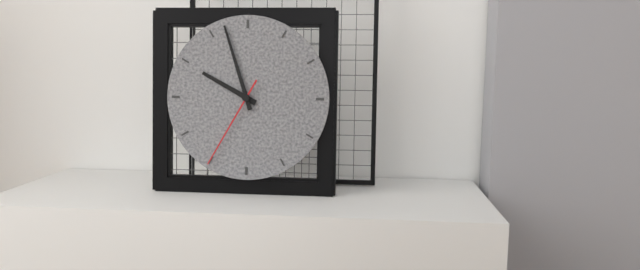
9.57.35
